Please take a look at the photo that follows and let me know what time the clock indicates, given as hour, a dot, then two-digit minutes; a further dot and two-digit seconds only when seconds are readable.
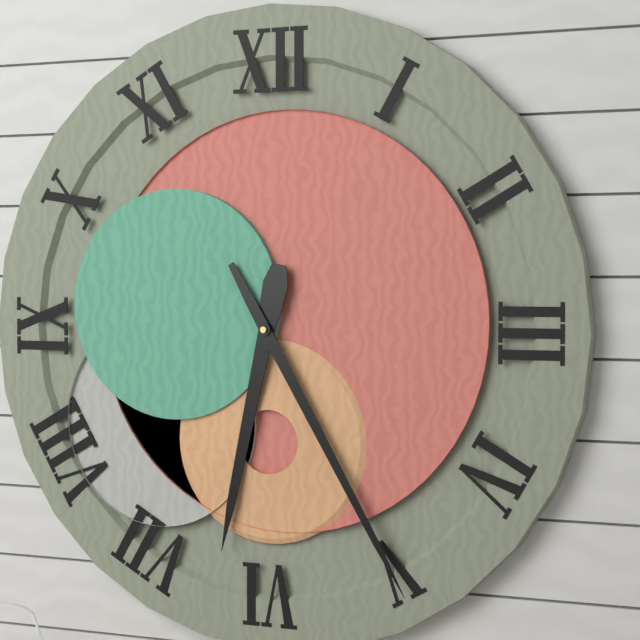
6.25
